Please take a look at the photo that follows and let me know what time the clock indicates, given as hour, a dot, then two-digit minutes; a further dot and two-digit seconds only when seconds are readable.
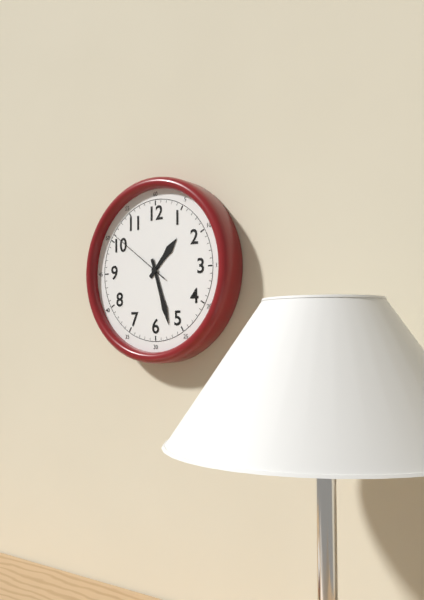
1.27.51
